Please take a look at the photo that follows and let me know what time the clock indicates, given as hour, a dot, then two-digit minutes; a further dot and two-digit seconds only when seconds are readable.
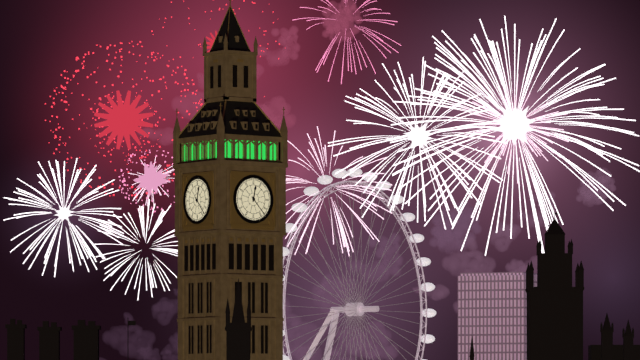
12.23
